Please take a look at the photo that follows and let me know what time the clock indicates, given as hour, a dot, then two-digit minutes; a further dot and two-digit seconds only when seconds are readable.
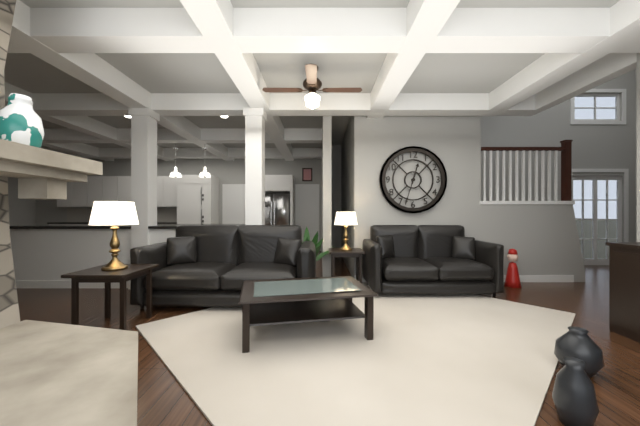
12.33
